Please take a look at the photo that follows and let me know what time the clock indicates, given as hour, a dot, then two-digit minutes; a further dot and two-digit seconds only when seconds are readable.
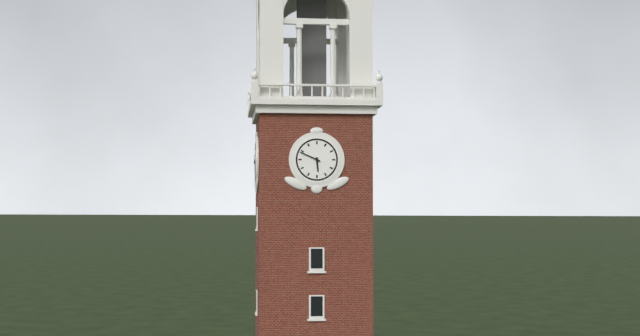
5.49
